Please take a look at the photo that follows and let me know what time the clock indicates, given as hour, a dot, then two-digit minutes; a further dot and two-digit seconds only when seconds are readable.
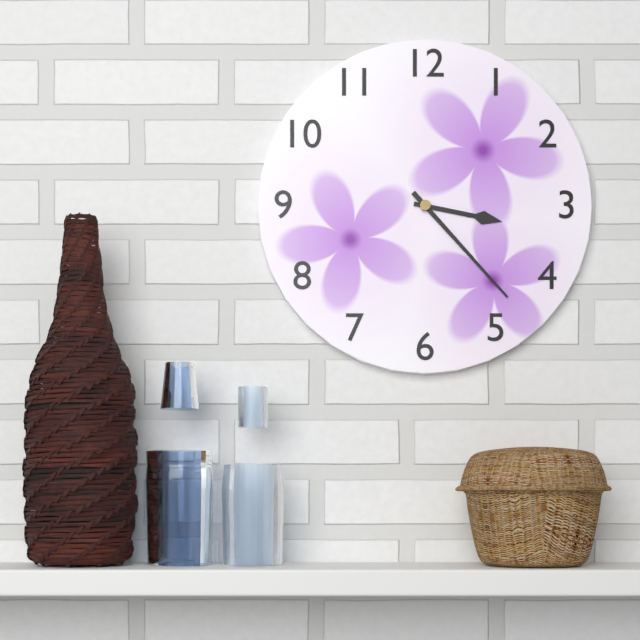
3.23
